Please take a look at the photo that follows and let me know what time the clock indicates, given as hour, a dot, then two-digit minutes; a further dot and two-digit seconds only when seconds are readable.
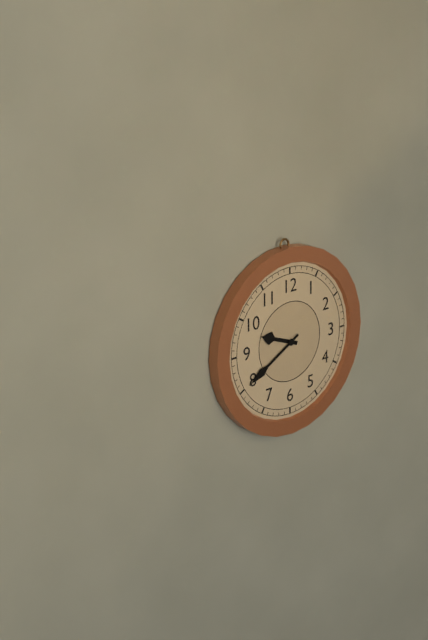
9.40
